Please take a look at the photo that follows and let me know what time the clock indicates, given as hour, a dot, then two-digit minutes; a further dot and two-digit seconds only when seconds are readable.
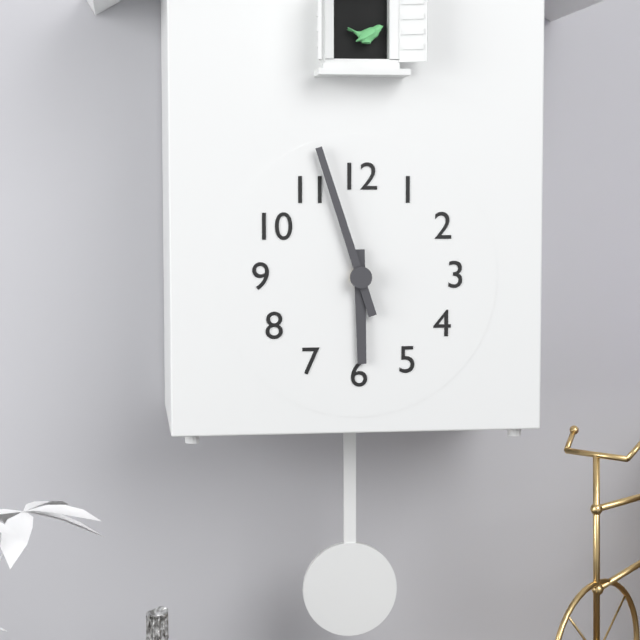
5.57
